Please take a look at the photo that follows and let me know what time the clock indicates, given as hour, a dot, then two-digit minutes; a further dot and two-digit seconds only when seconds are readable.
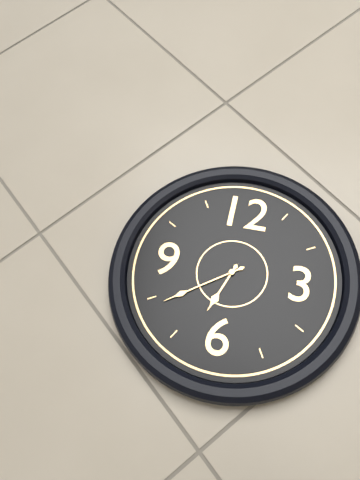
6.39
